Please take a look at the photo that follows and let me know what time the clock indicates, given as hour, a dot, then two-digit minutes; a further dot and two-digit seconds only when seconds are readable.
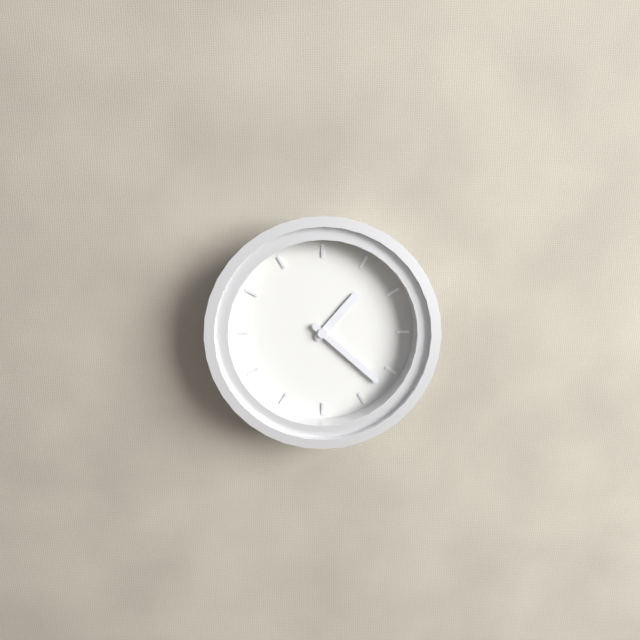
1.22
